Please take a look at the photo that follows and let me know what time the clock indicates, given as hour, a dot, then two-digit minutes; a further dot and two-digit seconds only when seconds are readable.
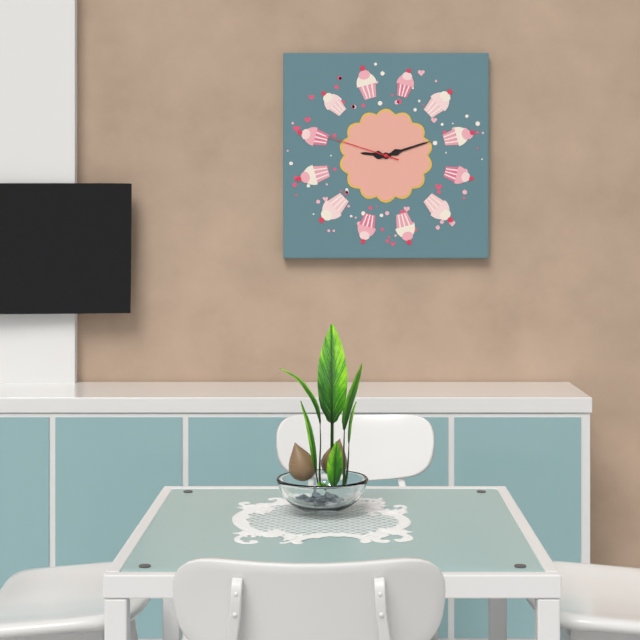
9.12.48
